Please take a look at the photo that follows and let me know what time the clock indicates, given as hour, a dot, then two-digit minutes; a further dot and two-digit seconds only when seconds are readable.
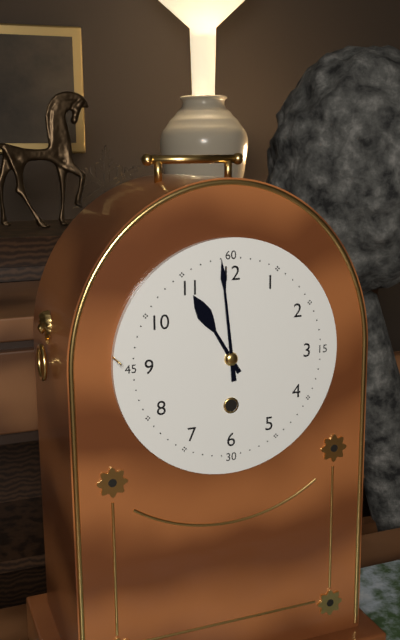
10.59
